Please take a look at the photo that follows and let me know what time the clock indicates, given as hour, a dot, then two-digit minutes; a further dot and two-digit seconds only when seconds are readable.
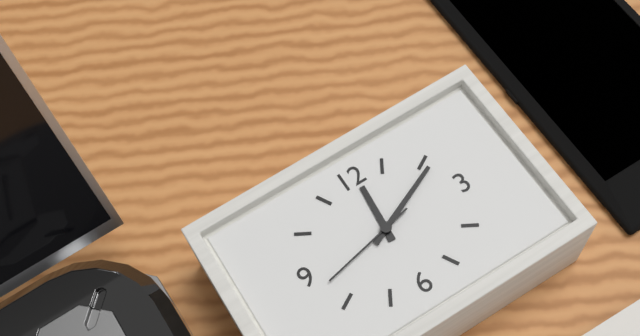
12.11.43
